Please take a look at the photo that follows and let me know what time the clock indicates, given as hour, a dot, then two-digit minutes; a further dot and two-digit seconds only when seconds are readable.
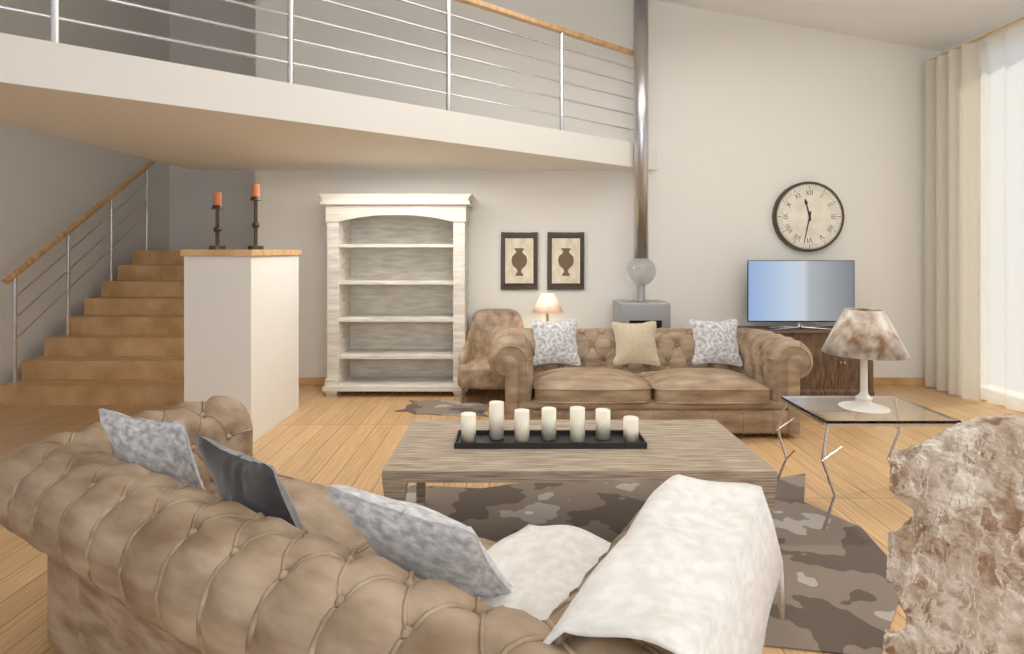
11.32
